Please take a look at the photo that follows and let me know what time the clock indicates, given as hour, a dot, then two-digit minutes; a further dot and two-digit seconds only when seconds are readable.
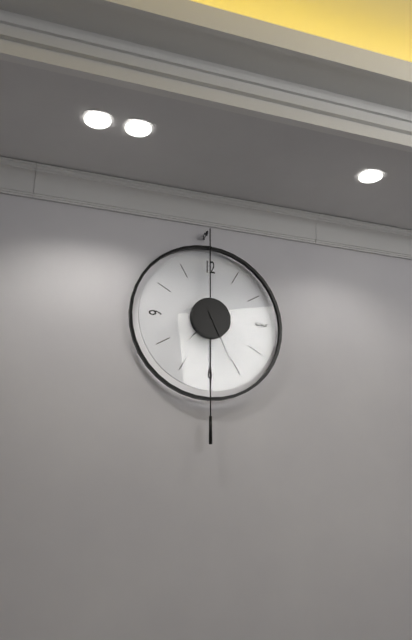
7.26
